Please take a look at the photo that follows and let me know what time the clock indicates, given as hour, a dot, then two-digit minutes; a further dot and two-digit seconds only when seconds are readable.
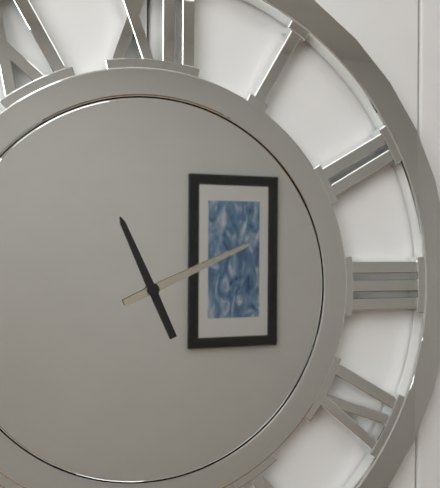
11.11
